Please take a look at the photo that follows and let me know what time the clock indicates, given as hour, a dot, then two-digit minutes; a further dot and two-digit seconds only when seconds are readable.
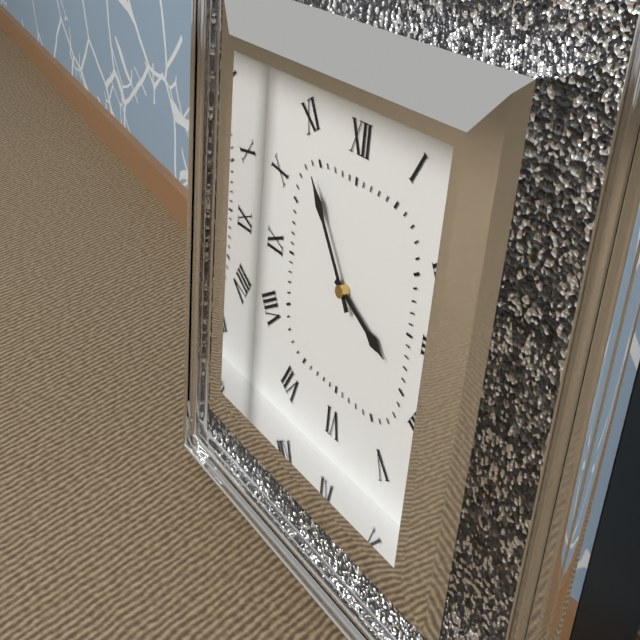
3.54
